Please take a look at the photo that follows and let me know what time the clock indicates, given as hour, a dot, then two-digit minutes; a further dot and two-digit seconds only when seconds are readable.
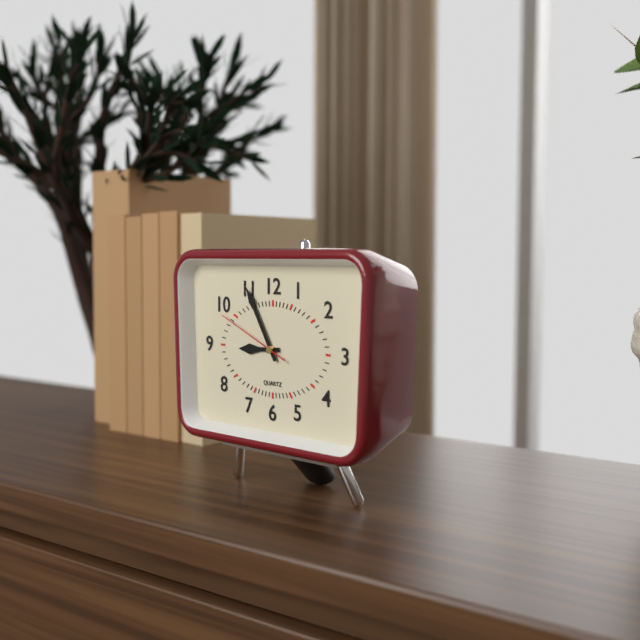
8.55.49
